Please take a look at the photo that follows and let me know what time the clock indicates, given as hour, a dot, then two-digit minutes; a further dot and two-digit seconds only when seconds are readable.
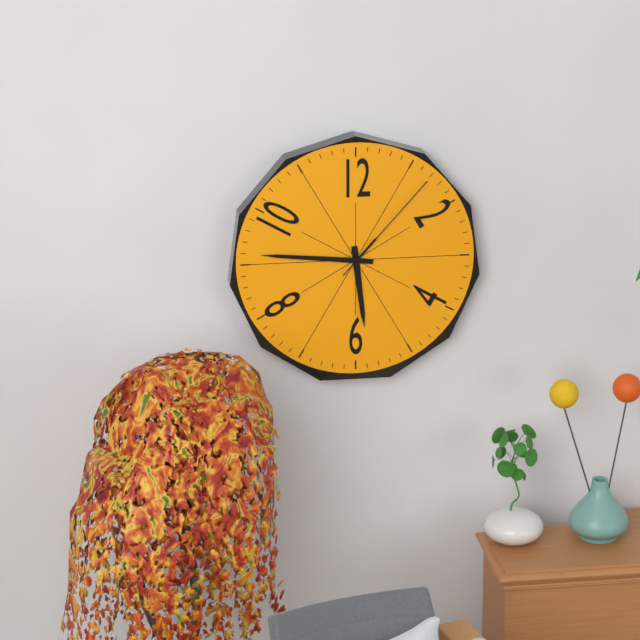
5.46.07
